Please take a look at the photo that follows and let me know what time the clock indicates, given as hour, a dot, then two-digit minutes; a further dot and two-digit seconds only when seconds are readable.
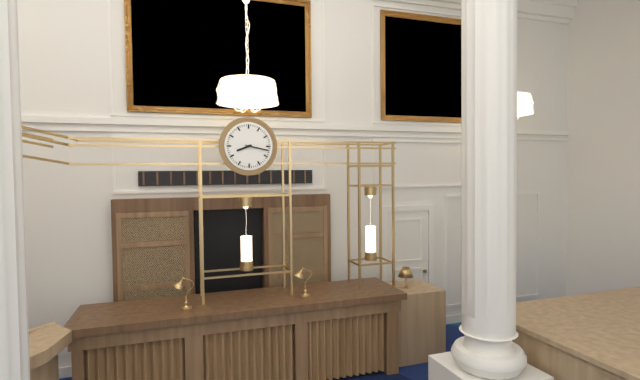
8.17
